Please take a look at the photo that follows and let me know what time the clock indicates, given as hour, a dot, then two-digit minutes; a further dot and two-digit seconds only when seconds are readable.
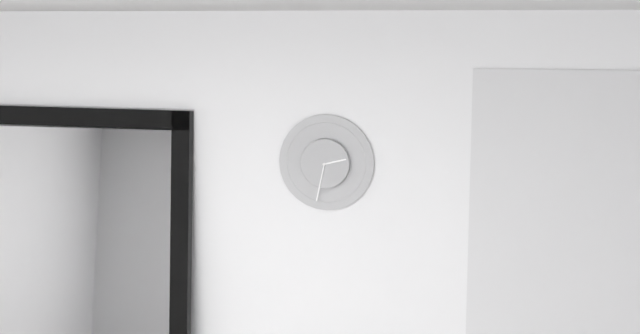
2.32
